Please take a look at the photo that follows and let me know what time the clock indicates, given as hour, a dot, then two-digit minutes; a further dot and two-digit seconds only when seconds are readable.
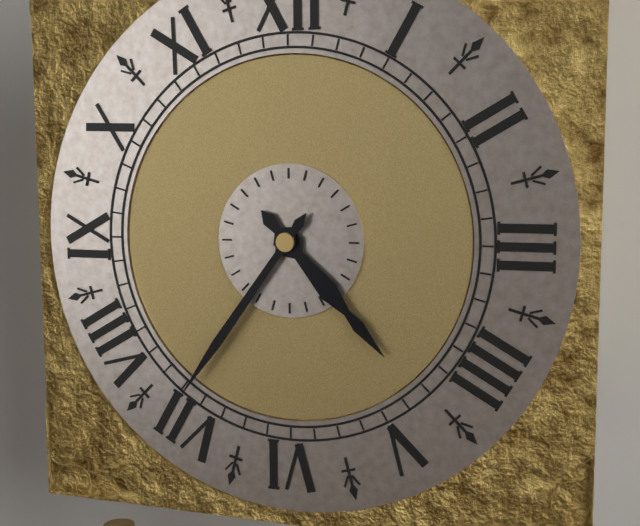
4.36
